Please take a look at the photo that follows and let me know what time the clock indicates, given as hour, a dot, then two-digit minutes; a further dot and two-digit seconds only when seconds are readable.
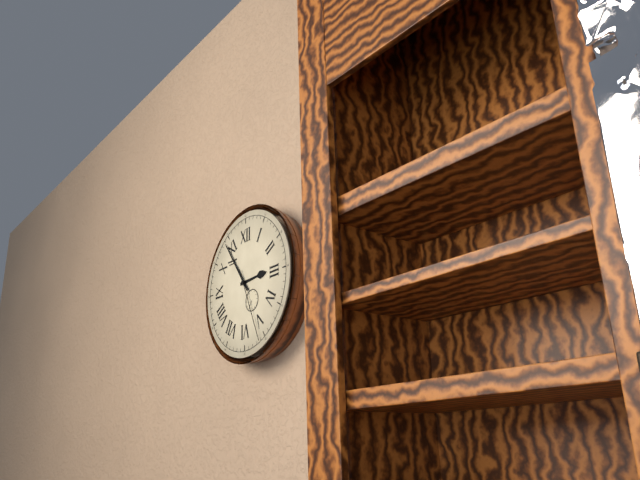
2.54.26
